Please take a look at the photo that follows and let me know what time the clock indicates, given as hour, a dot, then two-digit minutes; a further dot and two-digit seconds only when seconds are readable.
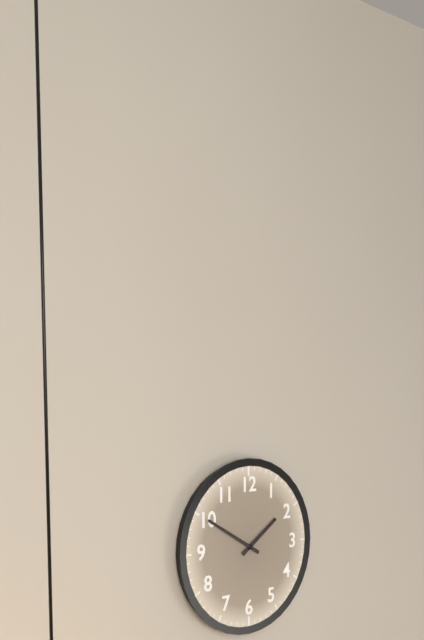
1.50
